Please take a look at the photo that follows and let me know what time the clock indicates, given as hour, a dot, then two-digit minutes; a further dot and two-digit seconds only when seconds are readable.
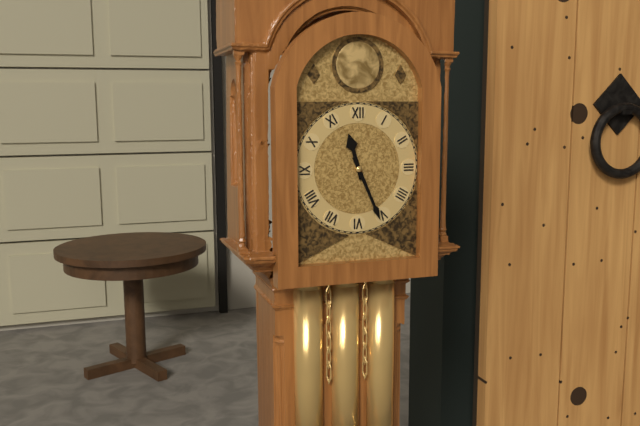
11.26
